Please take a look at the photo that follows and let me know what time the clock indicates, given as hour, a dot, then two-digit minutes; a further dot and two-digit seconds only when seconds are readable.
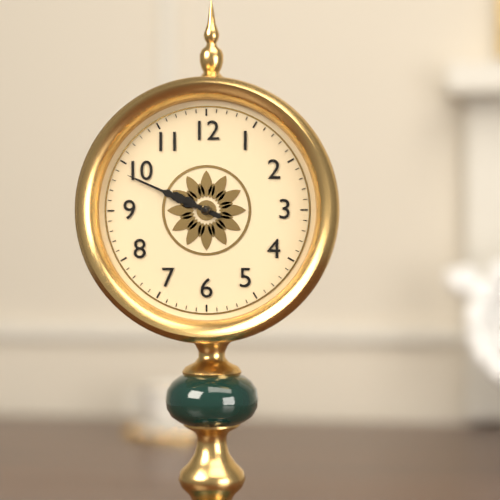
9.49
